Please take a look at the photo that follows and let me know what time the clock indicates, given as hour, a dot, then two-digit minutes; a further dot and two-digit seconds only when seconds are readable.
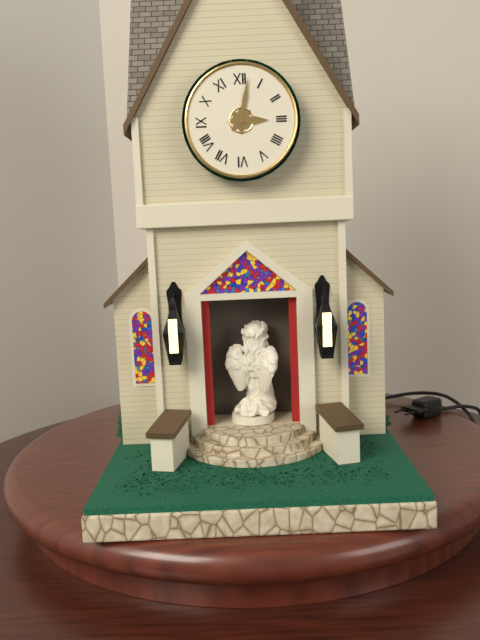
3.02
